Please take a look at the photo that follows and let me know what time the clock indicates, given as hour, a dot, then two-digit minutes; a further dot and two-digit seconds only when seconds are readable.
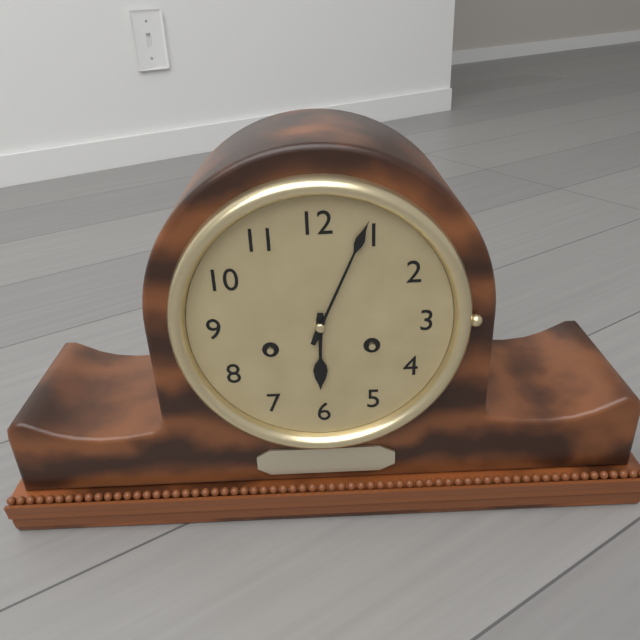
6.04
